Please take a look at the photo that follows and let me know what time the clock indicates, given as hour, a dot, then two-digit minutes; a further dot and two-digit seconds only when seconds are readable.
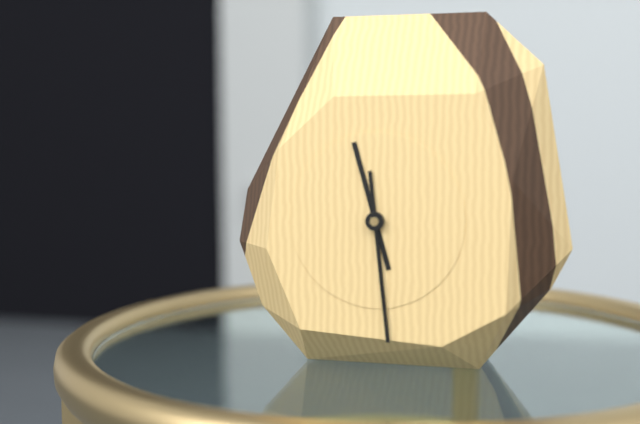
11.29
